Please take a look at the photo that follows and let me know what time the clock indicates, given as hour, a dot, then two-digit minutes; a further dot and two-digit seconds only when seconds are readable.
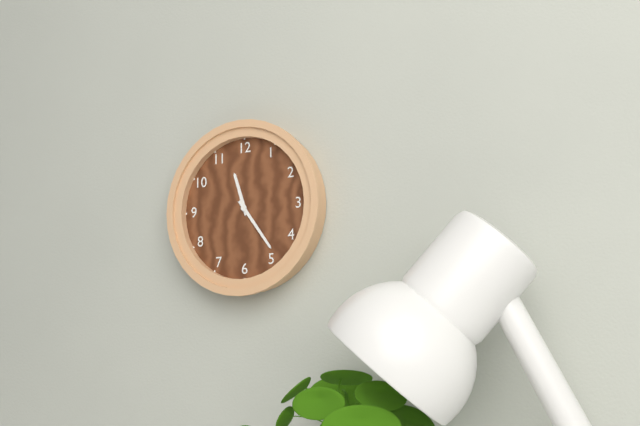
11.24
